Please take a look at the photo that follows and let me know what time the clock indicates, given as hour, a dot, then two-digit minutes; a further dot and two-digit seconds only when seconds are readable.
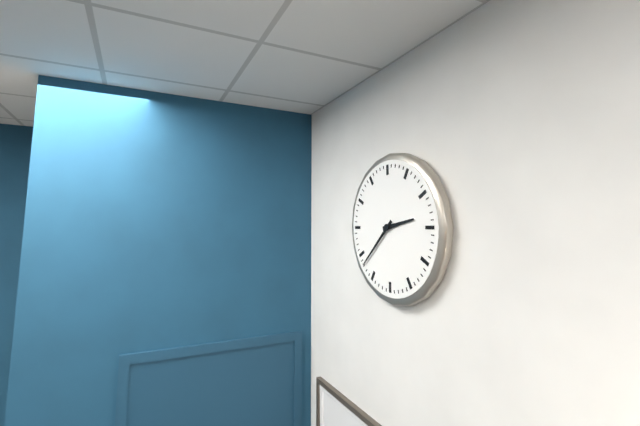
2.38
